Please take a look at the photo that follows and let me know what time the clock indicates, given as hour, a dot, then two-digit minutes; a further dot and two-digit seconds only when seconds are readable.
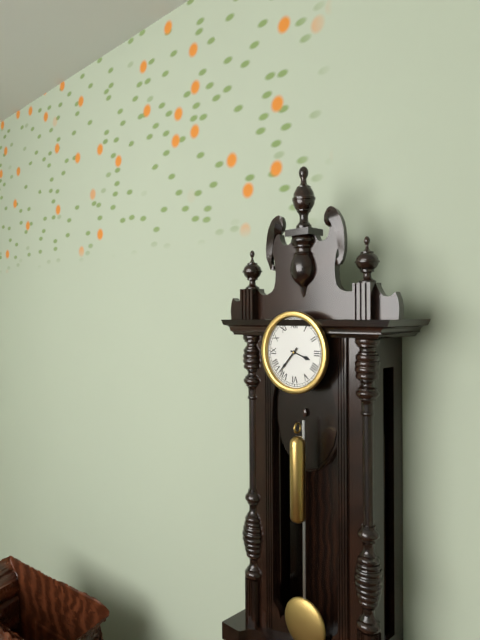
3.37
